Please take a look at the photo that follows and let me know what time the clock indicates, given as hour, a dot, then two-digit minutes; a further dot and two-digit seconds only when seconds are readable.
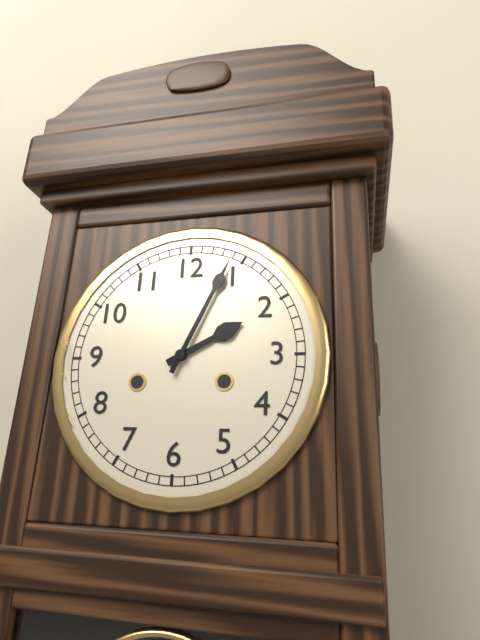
2.04
